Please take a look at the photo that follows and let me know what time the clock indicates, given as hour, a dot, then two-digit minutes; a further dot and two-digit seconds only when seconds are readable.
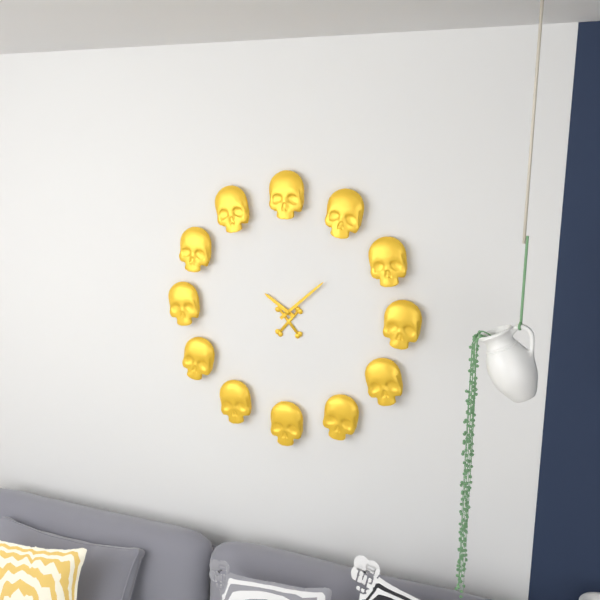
10.08
